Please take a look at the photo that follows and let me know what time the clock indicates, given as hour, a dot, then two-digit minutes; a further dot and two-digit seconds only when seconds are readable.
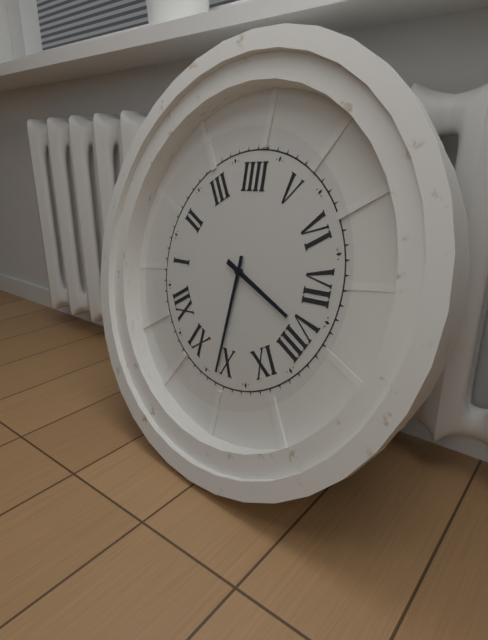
7.51
